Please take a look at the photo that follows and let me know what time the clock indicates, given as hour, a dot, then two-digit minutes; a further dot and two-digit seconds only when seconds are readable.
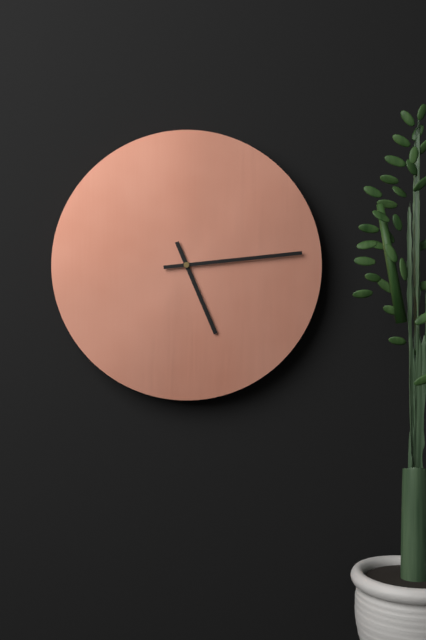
5.14
